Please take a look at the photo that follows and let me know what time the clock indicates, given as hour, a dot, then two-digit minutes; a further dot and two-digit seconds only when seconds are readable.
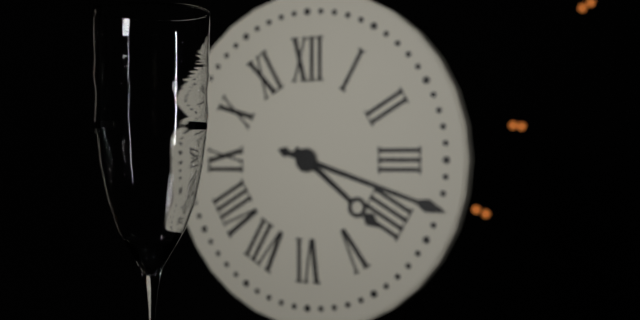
4.18
